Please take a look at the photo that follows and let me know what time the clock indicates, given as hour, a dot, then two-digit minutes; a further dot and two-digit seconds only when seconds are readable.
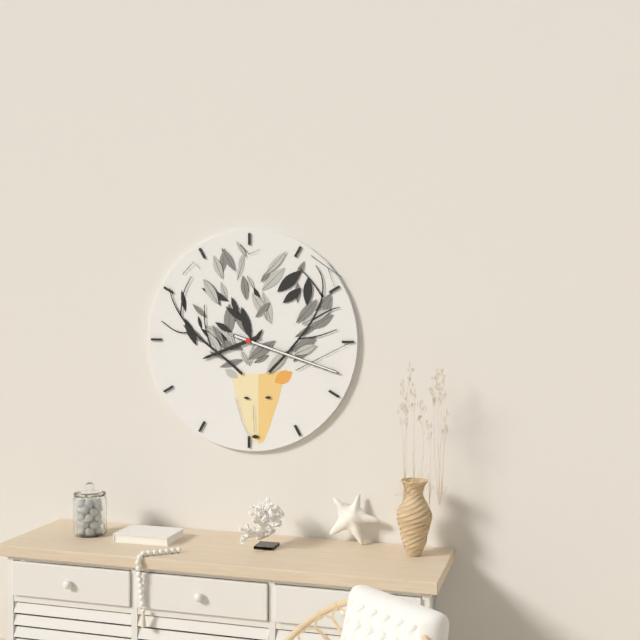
8.18
